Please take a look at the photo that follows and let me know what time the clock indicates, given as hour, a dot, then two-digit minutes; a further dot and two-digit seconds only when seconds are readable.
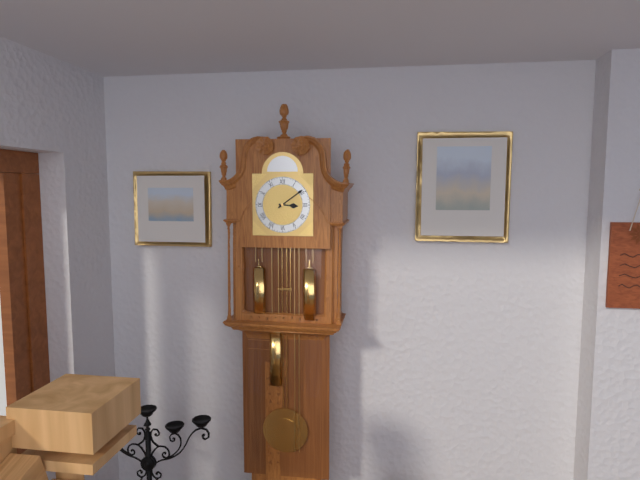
3.09
